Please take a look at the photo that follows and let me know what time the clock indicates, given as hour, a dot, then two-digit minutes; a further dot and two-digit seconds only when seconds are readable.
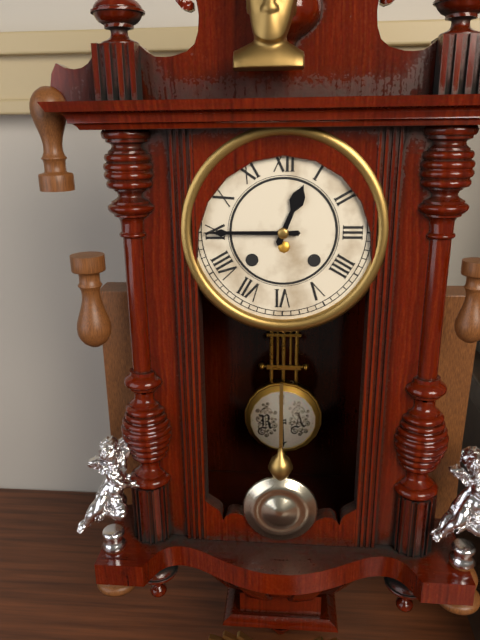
12.45
